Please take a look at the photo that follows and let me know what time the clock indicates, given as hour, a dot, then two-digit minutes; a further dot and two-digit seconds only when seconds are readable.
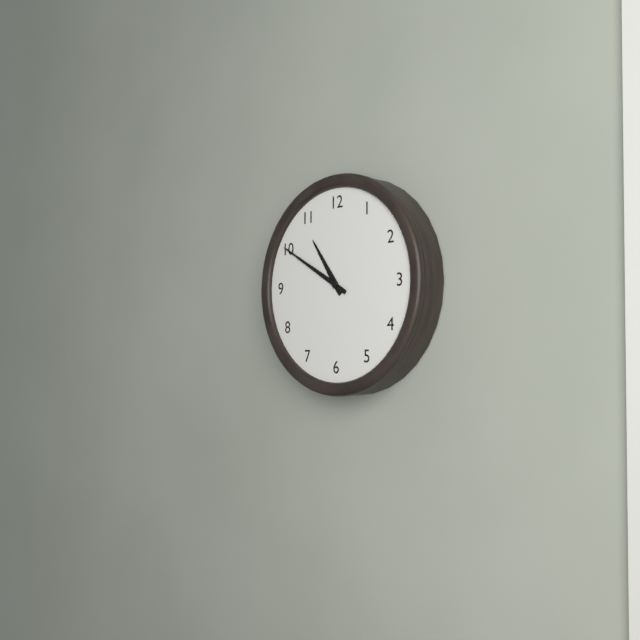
10.50
